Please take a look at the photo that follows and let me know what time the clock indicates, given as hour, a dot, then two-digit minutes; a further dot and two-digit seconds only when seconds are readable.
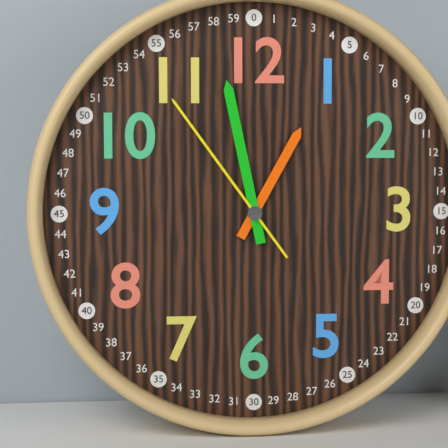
12.58.54
